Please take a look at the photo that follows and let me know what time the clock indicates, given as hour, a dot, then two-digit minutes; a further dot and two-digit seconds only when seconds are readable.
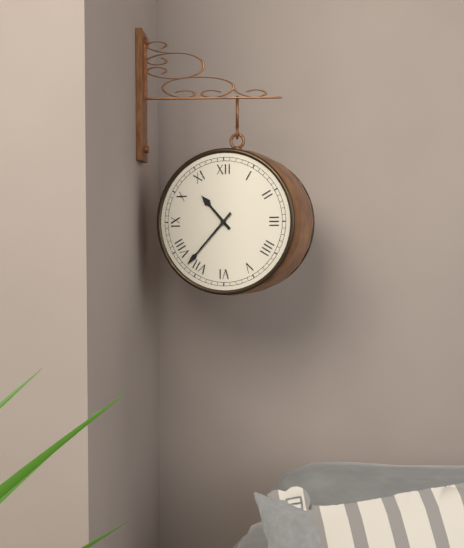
10.37
